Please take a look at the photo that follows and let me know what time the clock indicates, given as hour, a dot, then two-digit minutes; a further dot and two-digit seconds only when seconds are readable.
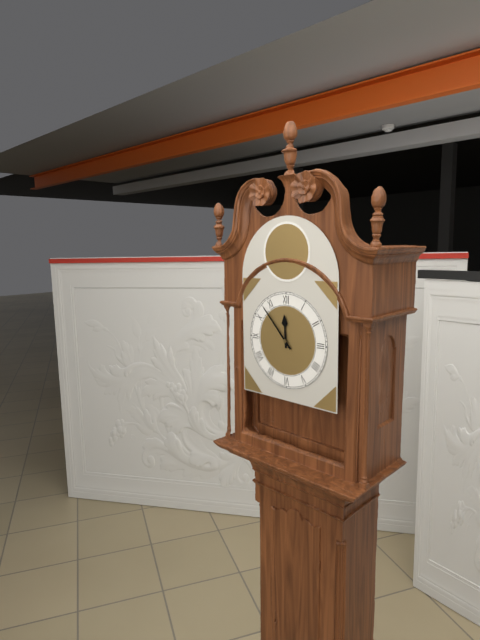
11.53
